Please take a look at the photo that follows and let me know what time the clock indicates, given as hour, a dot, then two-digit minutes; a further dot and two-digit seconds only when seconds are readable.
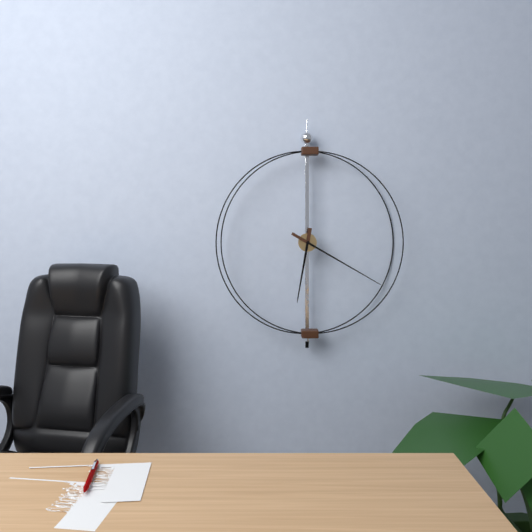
6.20
